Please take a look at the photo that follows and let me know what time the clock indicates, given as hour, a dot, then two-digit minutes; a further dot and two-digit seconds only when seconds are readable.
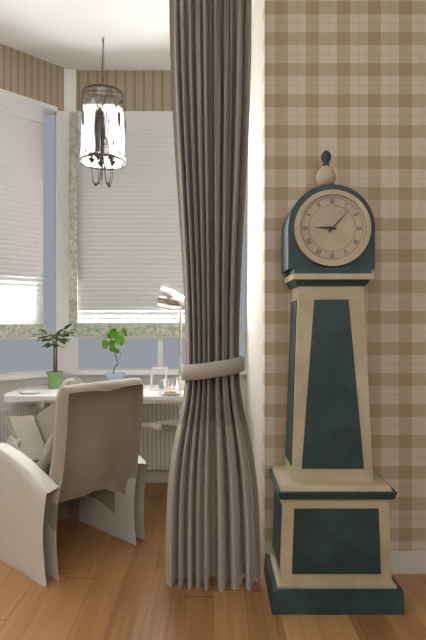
9.07
